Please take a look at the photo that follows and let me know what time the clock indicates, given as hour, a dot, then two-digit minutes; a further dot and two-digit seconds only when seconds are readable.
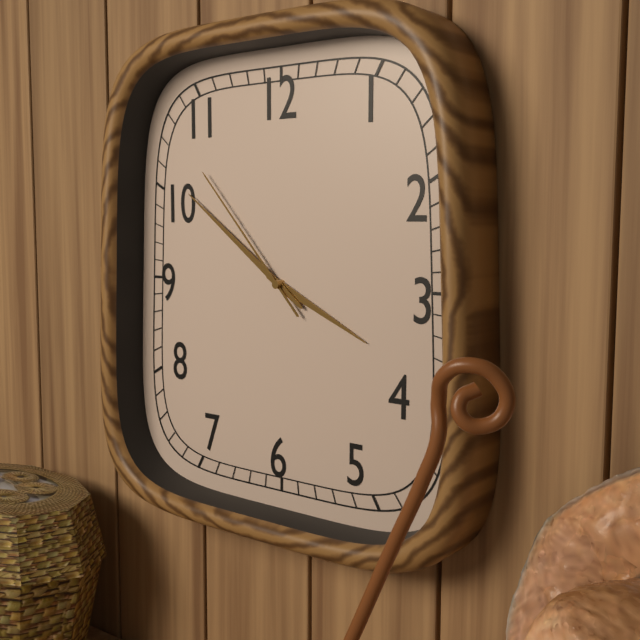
3.51.53
